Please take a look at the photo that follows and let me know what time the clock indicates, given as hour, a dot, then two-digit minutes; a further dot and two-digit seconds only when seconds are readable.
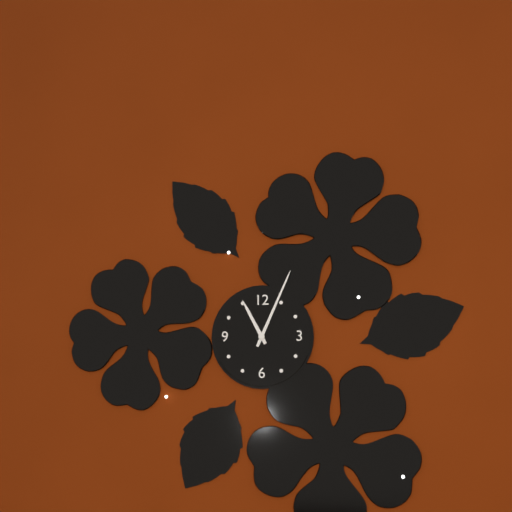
11.04
